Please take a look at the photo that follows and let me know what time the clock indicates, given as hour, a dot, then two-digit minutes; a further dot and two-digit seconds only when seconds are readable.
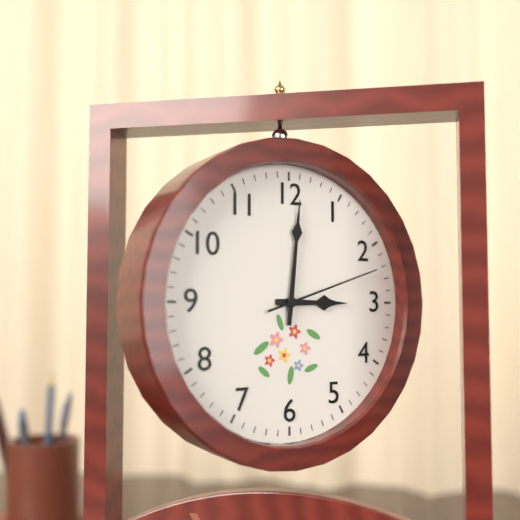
3.01.12
